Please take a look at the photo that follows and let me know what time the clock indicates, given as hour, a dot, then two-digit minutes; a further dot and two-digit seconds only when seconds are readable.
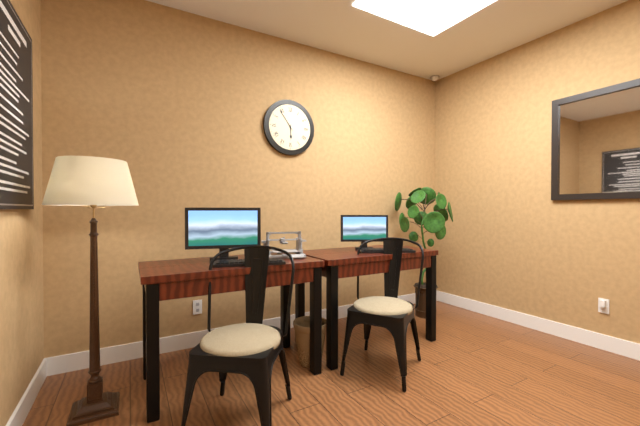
5.54
